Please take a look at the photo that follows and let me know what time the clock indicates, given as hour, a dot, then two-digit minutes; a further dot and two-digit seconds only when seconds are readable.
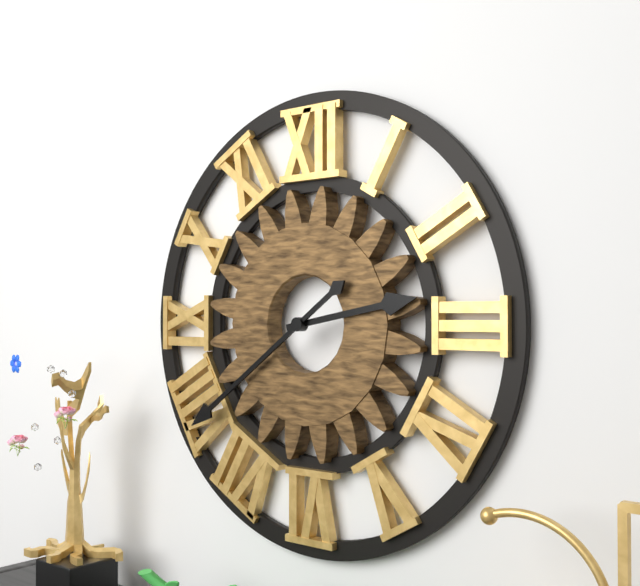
2.39
